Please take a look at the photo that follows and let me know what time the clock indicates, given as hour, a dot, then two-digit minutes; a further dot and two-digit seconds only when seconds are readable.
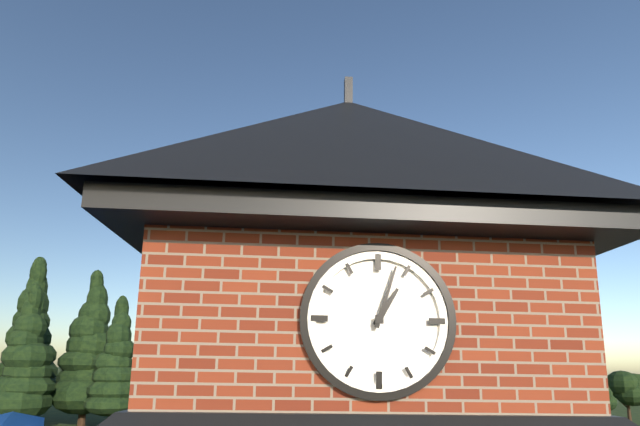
1.03
